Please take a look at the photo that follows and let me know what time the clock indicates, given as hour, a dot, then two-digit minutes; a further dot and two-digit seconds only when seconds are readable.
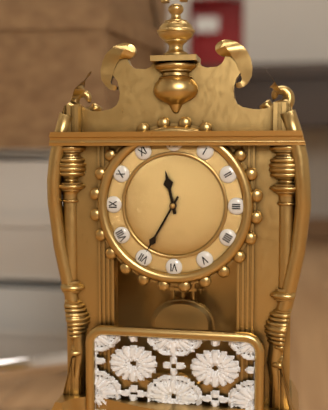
11.35
